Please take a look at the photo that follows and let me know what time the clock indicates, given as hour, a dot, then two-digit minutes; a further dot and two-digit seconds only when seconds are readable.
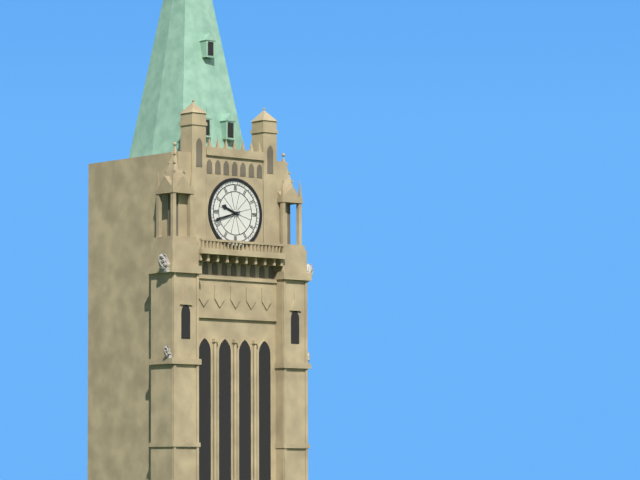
9.42
